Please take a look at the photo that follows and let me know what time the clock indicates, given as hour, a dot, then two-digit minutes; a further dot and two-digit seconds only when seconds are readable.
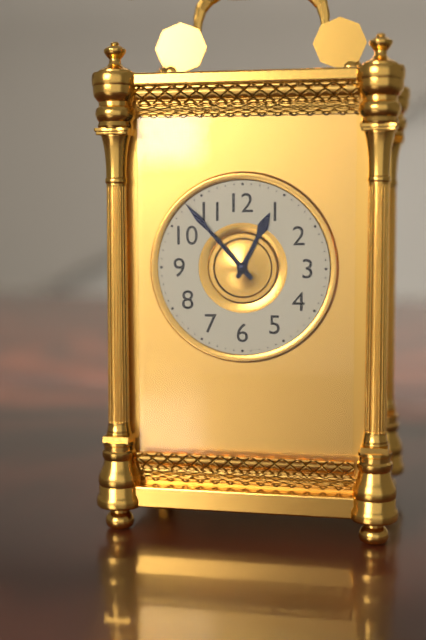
12.53
